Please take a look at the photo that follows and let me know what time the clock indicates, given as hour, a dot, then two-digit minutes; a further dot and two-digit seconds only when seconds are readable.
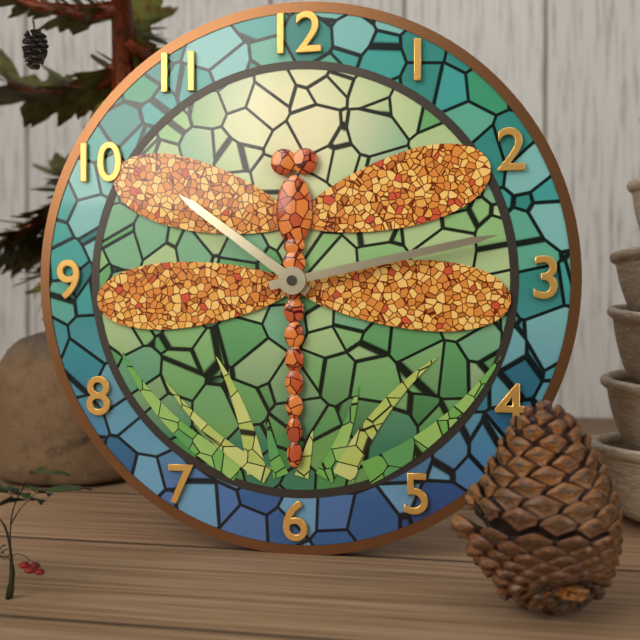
10.13
